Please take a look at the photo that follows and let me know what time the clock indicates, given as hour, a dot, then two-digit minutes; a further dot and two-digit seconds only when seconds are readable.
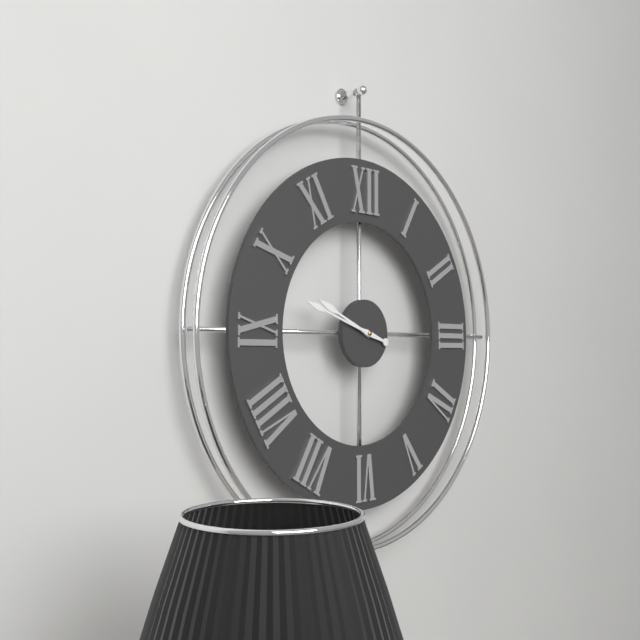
9.48
